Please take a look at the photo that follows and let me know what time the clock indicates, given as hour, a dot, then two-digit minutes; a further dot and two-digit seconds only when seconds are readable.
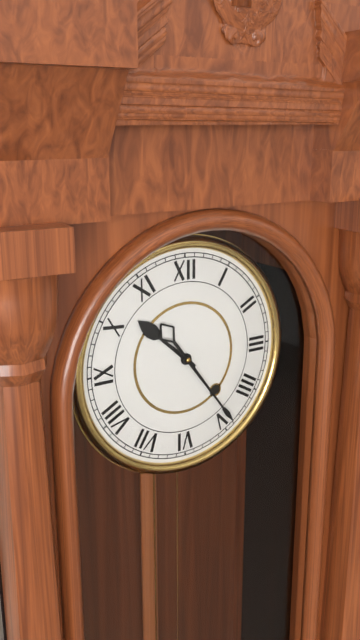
10.24
